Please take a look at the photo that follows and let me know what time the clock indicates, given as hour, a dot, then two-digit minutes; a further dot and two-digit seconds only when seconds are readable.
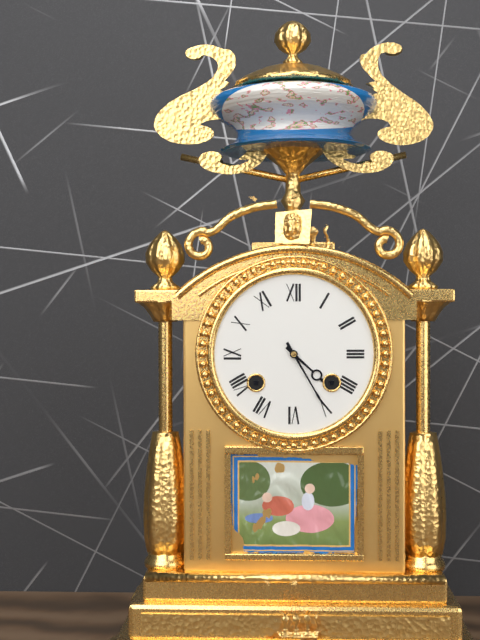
4.25
